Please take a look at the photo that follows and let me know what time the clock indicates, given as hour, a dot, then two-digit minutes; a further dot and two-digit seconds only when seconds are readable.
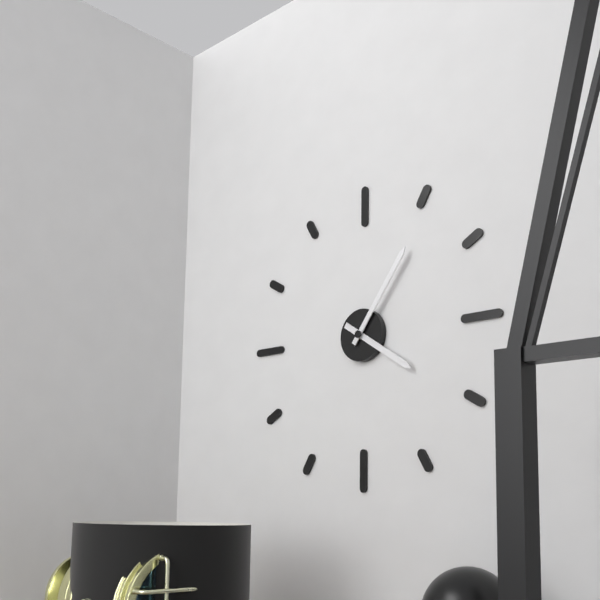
4.06
